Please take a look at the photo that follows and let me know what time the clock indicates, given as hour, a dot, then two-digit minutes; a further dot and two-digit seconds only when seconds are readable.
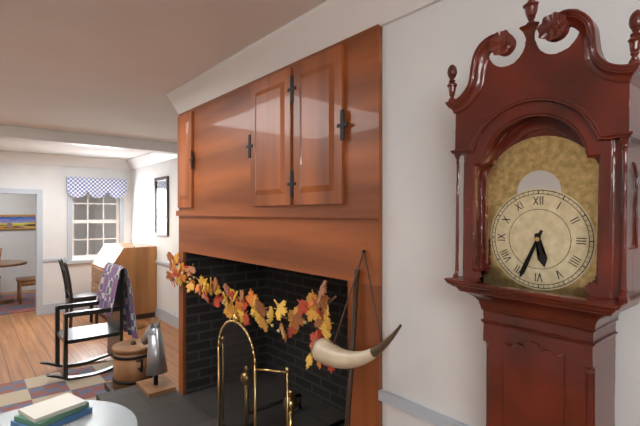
5.34
